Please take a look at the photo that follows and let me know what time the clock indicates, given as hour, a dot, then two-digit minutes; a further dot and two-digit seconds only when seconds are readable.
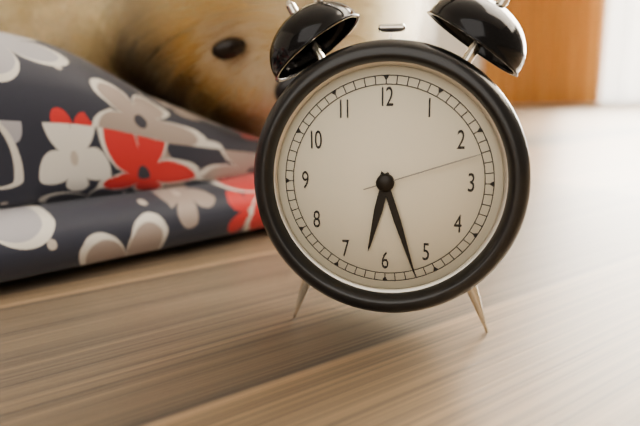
6.27.12
